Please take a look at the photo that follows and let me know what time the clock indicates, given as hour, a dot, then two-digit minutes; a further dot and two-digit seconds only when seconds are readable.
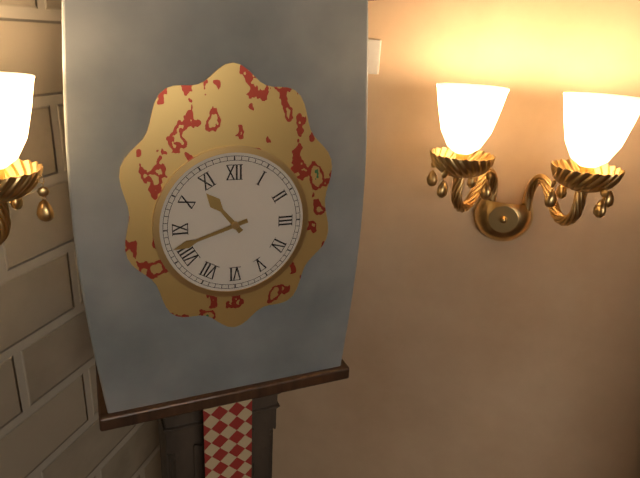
10.42
